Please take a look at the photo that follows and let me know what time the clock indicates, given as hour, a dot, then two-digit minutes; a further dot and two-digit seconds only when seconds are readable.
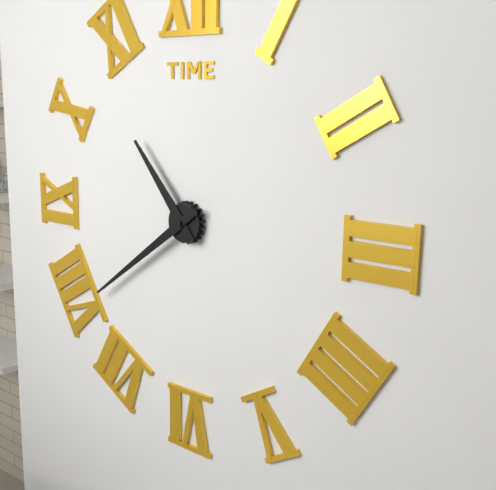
10.39
